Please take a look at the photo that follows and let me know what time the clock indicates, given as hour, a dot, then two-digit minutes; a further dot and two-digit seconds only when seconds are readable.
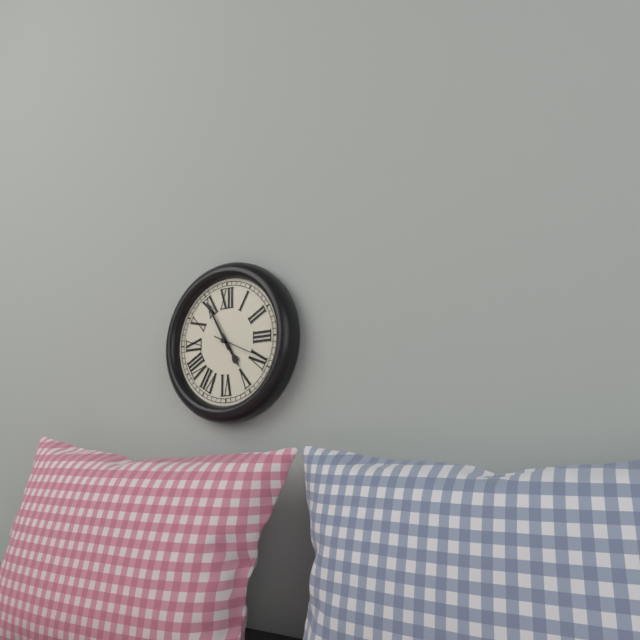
4.55
